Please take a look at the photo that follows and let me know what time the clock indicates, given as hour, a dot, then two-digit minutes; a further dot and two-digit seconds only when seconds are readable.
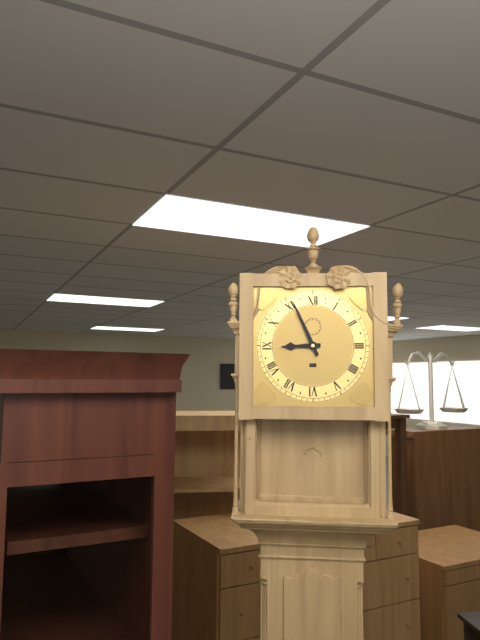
8.56
